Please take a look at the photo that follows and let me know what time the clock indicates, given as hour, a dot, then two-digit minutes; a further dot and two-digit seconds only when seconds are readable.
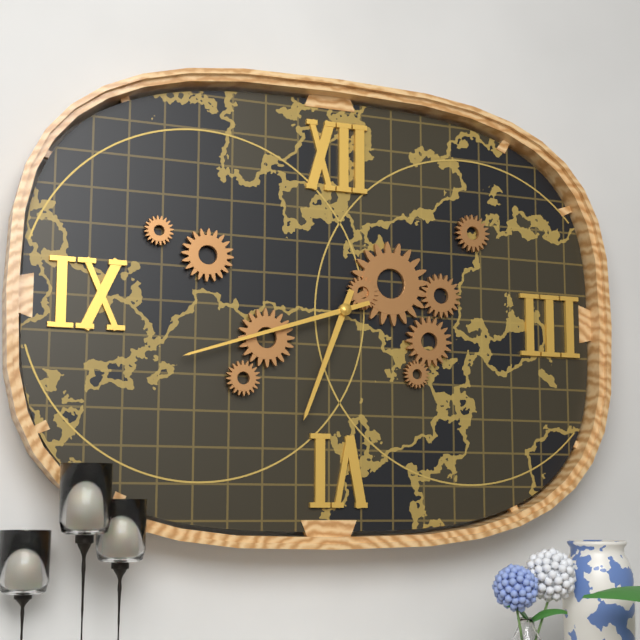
6.42
